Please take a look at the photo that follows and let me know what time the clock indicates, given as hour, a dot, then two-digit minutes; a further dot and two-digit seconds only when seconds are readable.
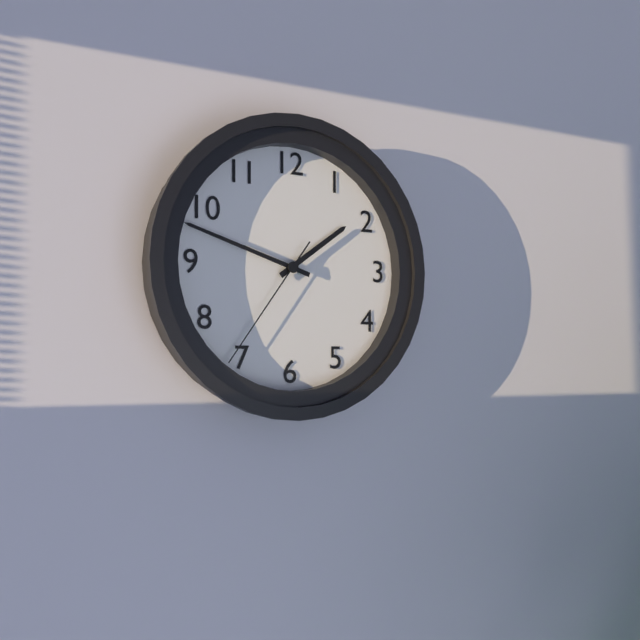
1.48.36
